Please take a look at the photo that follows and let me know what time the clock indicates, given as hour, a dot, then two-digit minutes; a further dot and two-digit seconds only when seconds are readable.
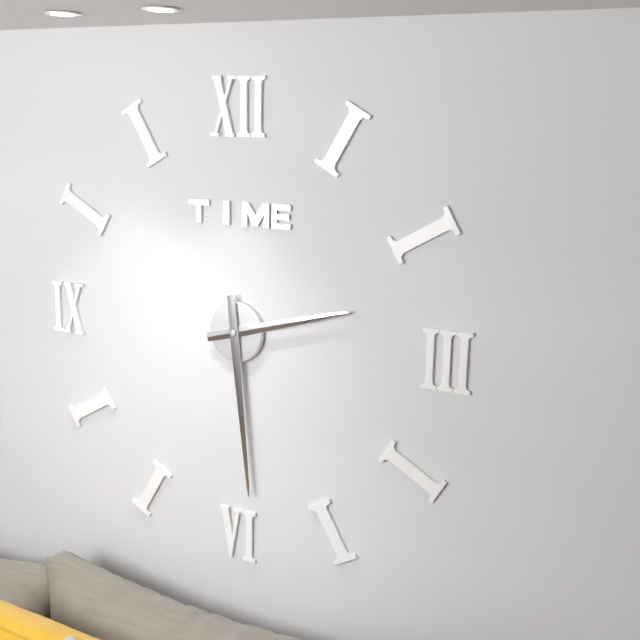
2.29
